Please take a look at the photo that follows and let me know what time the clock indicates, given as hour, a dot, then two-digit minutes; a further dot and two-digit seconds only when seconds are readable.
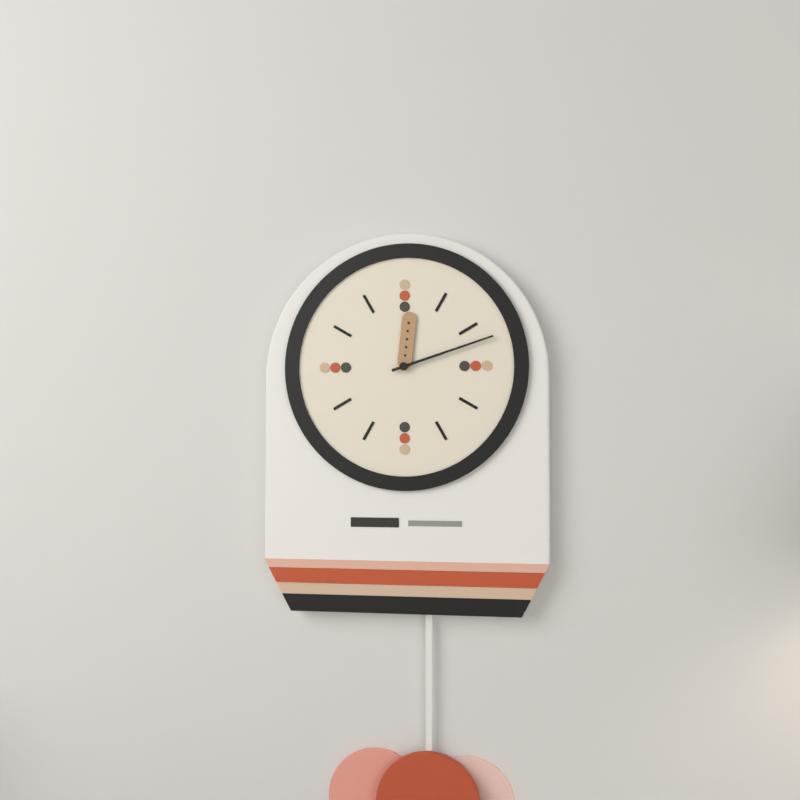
12.12
